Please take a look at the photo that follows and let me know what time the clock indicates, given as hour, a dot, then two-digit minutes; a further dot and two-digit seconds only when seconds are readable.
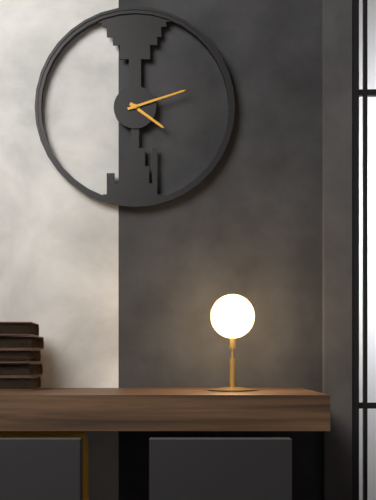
4.12
